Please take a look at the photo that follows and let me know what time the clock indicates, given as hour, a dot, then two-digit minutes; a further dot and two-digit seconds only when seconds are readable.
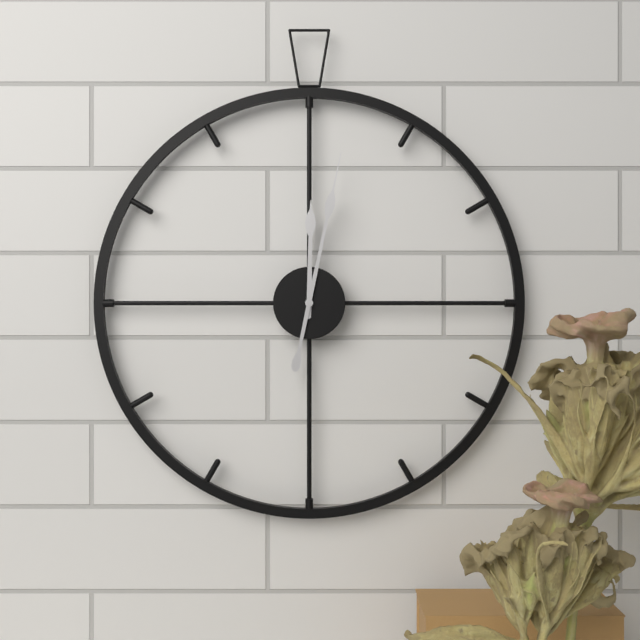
12.02
